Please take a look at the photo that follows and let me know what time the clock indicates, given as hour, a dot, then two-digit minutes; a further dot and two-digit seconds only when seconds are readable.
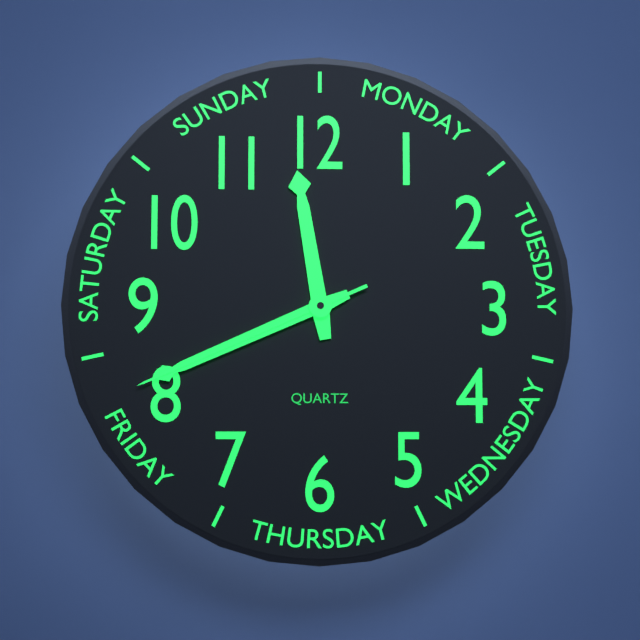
11.41.41
